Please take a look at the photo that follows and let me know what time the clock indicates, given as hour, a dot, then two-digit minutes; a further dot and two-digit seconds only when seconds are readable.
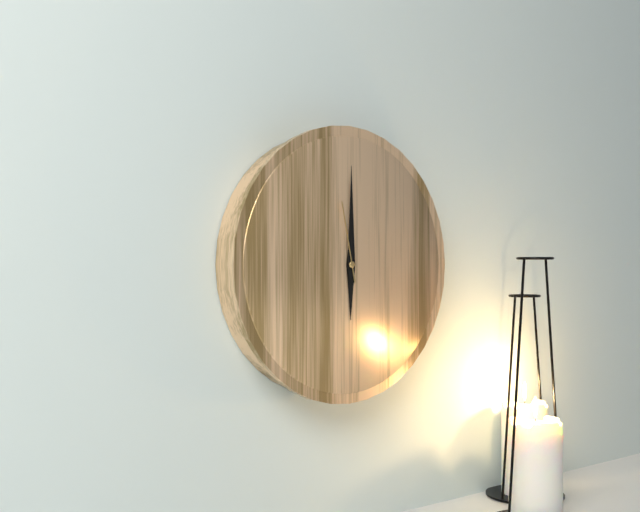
6.00.58
